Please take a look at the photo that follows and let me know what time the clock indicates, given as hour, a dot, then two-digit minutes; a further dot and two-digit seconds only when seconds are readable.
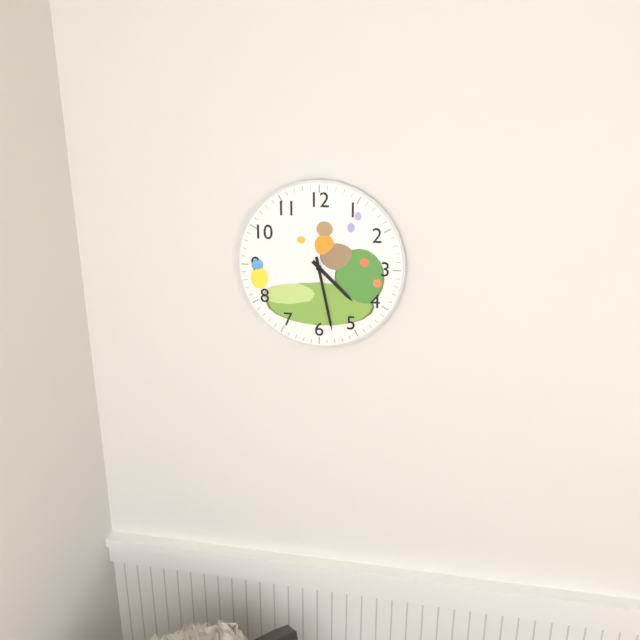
4.28
